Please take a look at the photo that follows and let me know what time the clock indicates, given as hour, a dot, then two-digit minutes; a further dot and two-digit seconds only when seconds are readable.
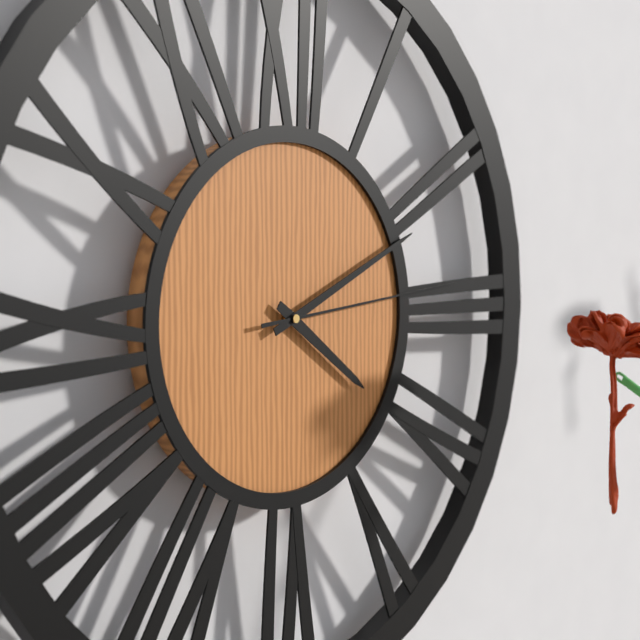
4.11.14
